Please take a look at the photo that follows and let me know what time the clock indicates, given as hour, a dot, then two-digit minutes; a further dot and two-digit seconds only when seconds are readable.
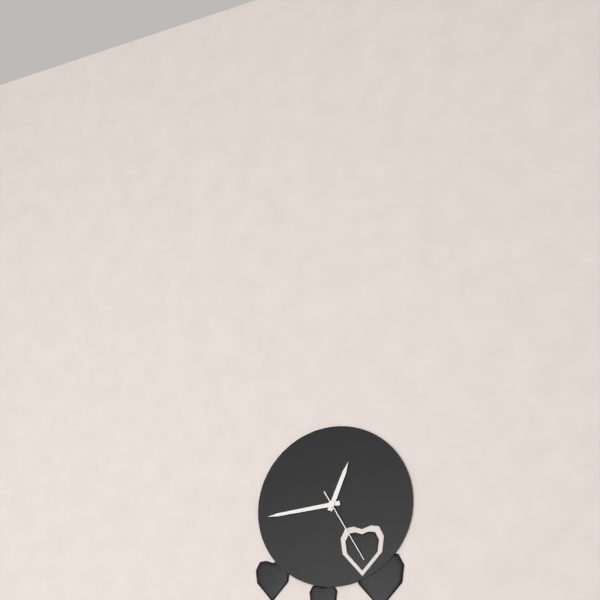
12.44.25
